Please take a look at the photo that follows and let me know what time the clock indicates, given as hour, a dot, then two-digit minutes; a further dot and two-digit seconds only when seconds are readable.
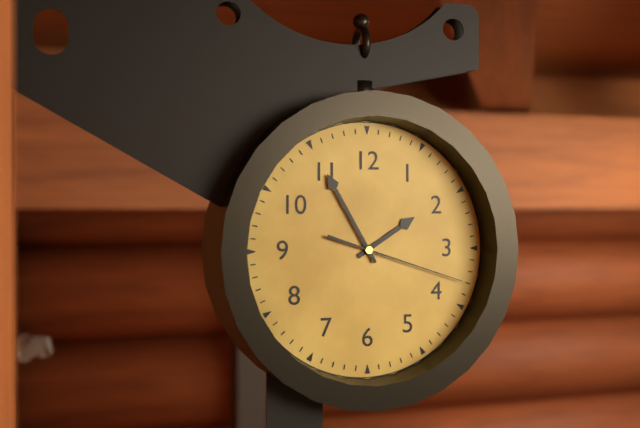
1.55.18
